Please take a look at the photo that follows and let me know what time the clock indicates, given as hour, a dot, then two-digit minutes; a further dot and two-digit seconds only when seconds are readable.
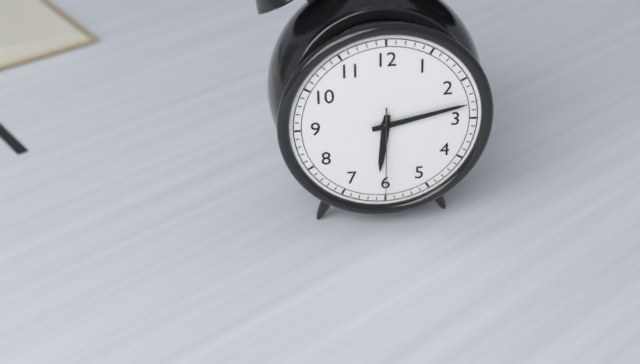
6.13.30
